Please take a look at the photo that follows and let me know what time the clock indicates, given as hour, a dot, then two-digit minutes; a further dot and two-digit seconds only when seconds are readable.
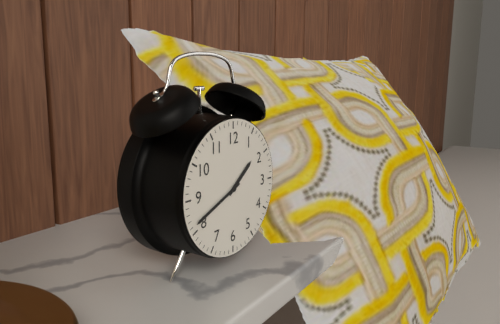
1.41
